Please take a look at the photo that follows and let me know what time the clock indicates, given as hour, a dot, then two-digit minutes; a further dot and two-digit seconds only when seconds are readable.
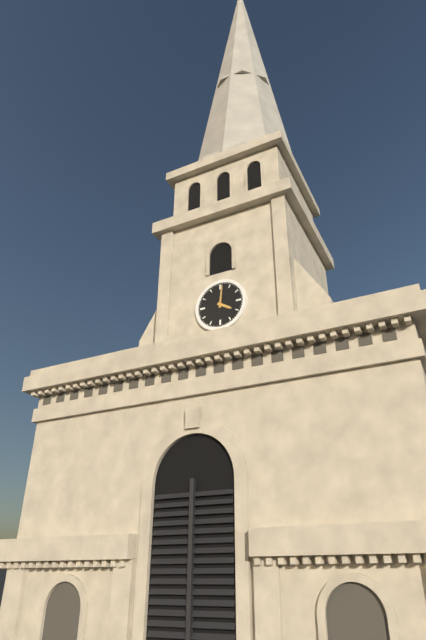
4.01
